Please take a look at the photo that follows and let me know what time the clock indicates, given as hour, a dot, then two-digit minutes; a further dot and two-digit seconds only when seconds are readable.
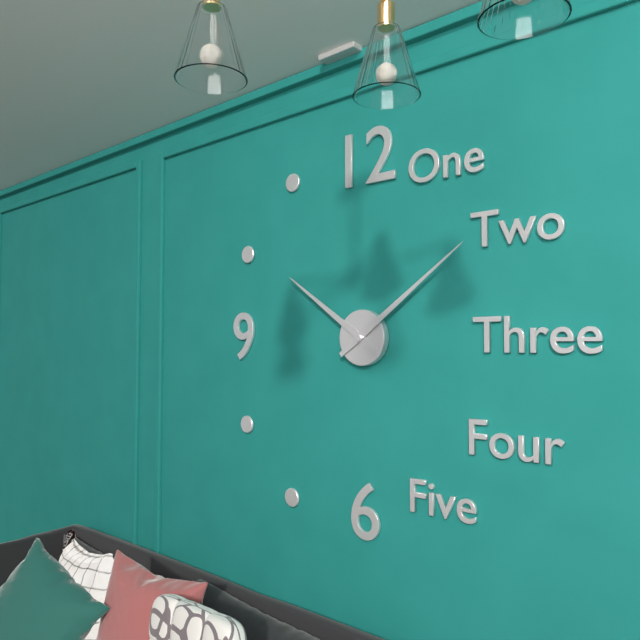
10.09
